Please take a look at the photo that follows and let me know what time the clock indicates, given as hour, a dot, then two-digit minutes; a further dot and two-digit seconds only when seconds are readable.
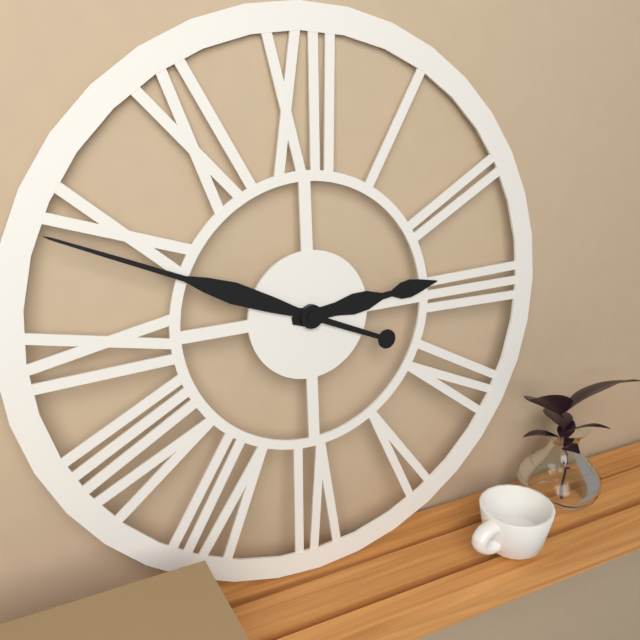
2.49
